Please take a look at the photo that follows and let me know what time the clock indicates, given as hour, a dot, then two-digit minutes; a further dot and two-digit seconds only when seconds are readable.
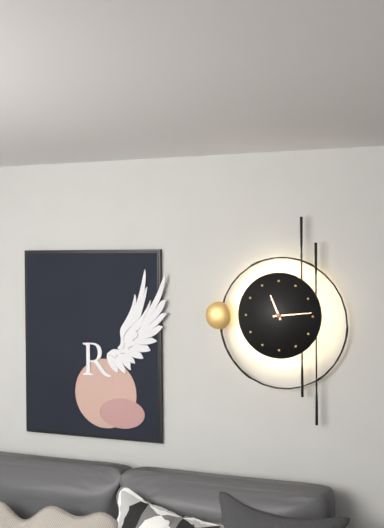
11.14
